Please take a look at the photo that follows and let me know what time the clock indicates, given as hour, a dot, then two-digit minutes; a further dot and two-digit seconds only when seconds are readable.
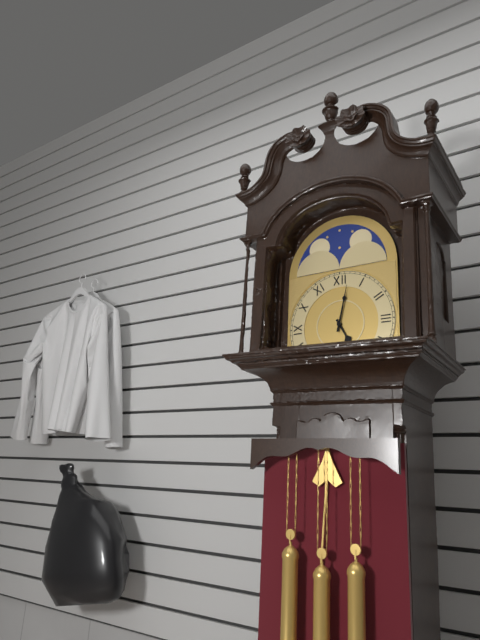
5.02
